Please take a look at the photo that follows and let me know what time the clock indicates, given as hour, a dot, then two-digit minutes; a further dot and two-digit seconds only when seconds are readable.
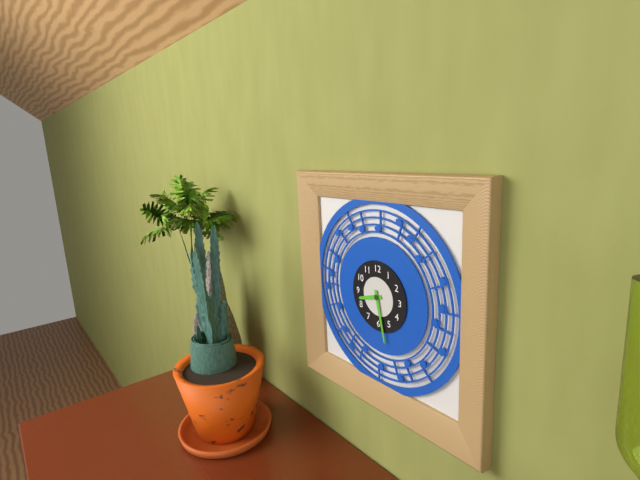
8.28
